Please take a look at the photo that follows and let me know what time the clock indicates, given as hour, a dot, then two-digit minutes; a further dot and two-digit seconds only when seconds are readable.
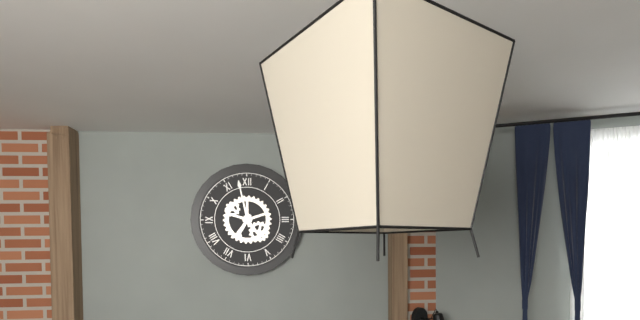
6.58
